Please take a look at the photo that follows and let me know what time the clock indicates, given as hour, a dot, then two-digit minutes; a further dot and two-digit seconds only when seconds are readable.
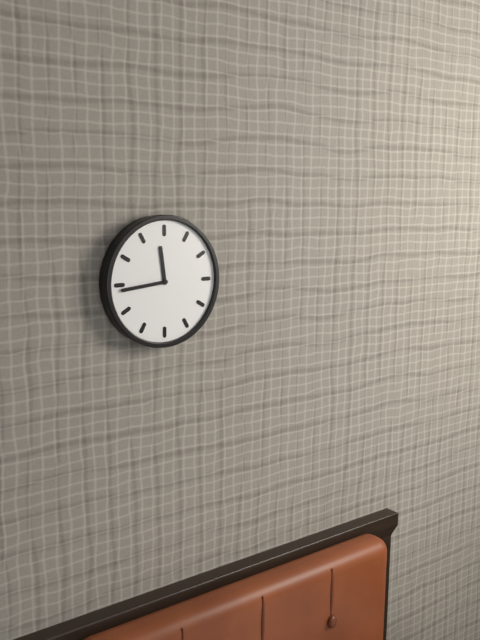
11.44
